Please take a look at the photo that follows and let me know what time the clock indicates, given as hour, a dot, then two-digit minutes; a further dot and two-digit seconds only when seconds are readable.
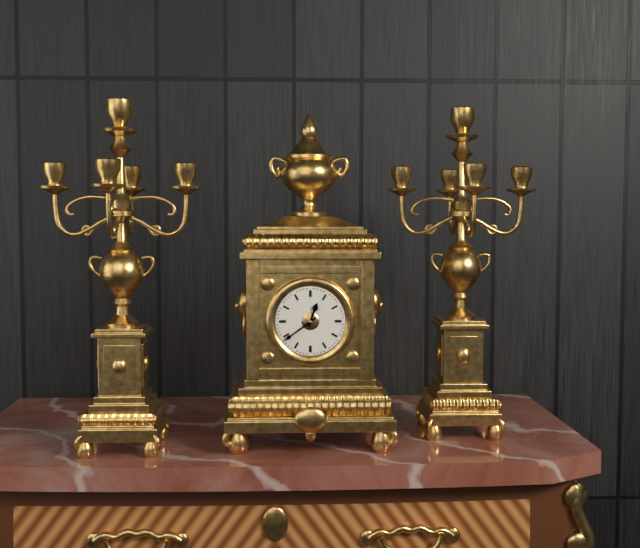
12.39
